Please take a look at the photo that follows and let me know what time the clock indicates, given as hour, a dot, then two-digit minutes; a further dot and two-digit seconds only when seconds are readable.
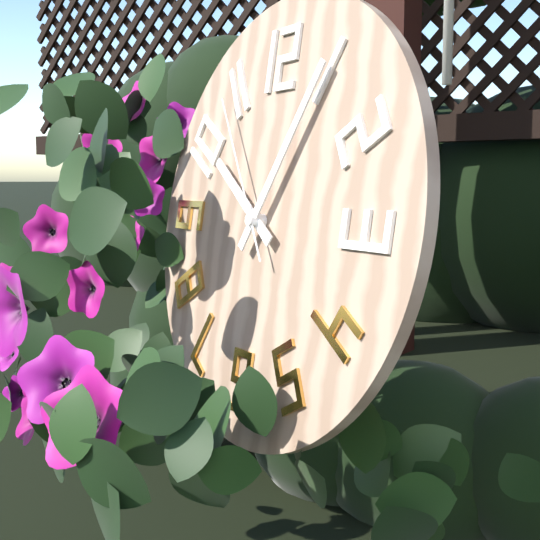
10.05.54
